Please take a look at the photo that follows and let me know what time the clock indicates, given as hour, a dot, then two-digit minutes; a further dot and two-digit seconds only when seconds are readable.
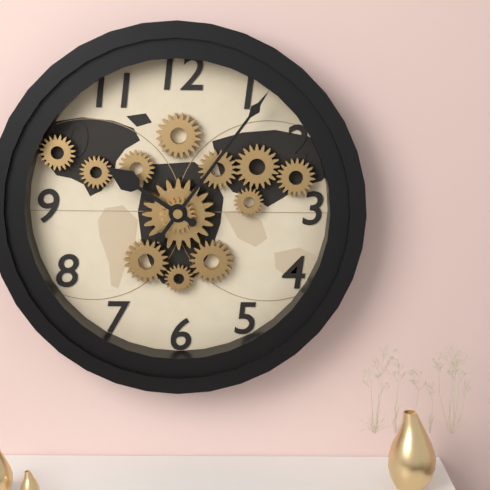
10.06
